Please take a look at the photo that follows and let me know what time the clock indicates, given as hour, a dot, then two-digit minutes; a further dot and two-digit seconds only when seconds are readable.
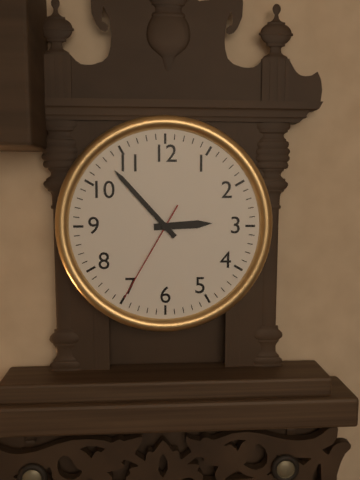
2.53.35
